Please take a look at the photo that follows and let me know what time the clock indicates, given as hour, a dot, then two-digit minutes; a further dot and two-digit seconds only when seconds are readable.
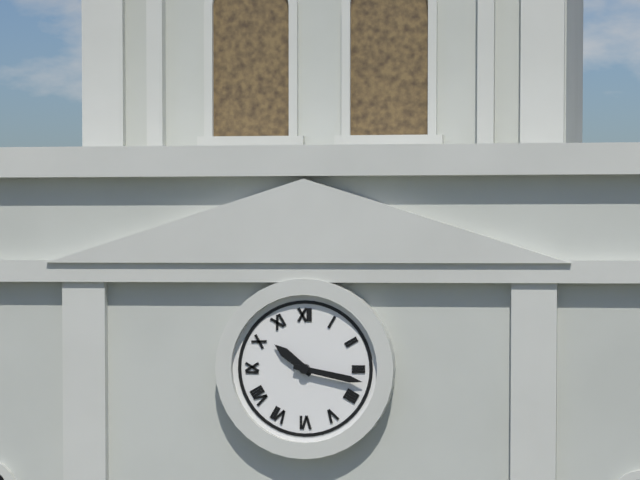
10.17
